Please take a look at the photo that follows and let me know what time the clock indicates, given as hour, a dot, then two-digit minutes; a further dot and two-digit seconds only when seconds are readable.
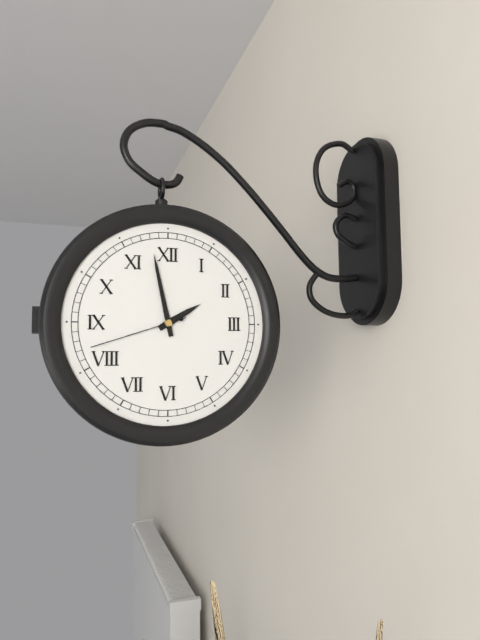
1.58.42
